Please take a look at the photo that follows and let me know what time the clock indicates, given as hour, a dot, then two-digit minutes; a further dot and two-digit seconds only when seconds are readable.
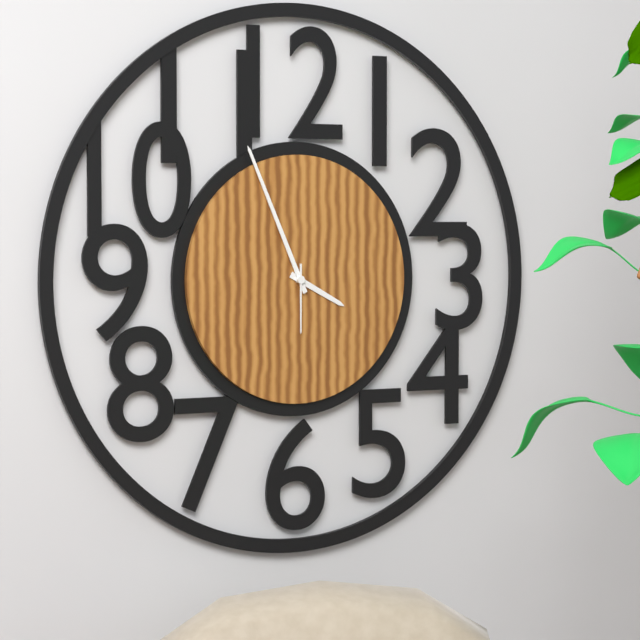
3.56.30
